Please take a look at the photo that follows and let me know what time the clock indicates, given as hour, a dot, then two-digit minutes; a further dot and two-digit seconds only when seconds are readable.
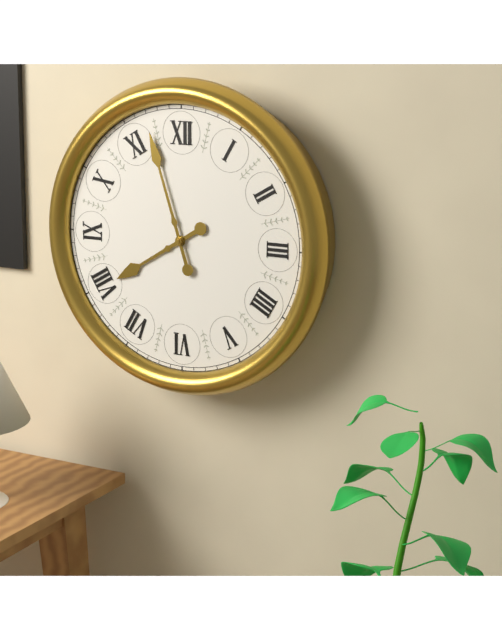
7.57
